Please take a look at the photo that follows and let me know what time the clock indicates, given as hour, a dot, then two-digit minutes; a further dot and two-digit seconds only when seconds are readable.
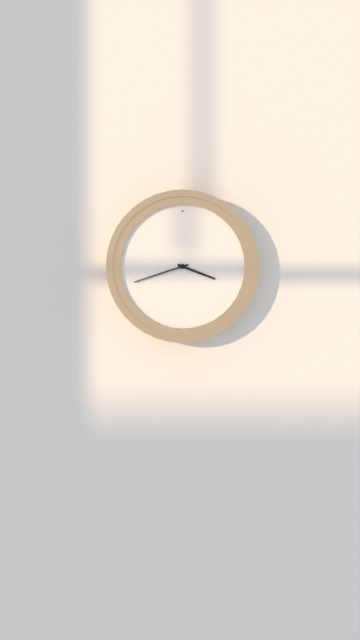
3.42
